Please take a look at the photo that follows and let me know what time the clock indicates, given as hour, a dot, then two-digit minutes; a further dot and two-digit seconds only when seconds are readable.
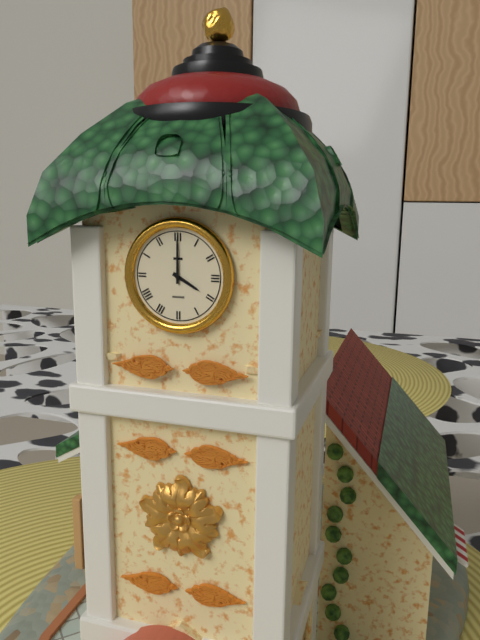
4.00
